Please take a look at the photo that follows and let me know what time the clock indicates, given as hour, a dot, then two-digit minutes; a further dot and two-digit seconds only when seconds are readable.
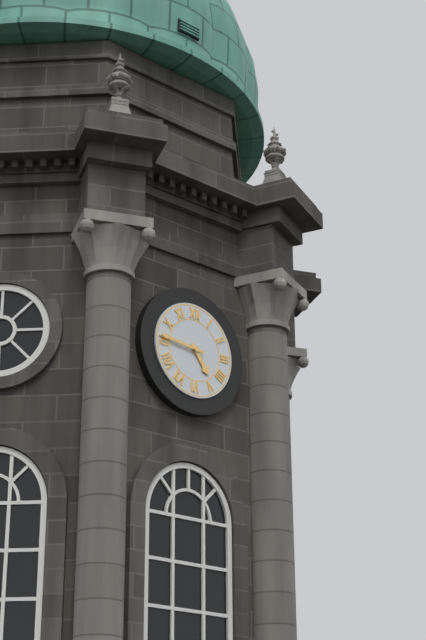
4.46
